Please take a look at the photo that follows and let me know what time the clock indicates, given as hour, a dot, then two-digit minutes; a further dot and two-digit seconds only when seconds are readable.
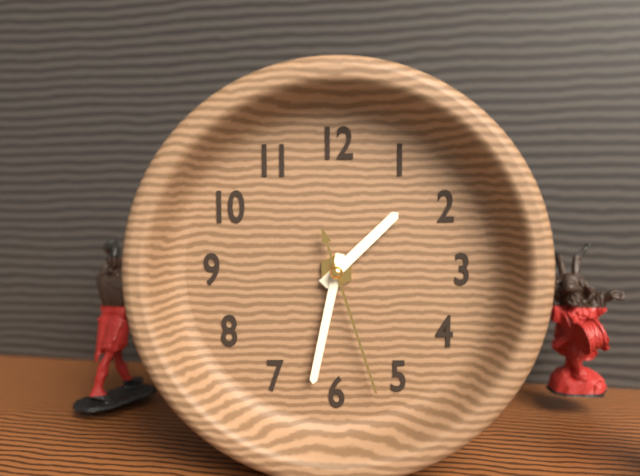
1.32.27
